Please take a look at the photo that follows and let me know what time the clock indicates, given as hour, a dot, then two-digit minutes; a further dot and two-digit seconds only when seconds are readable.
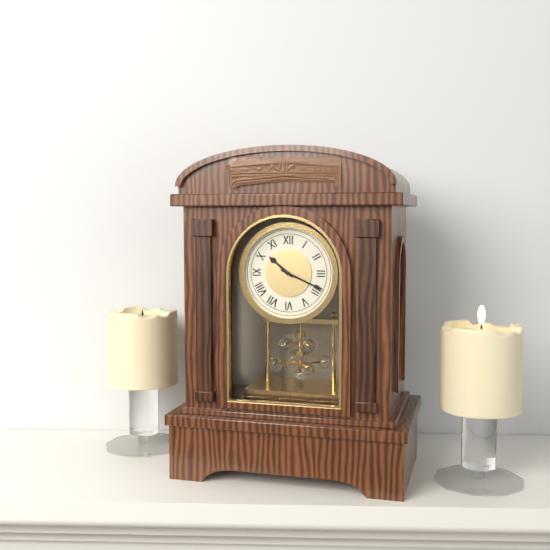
10.19
